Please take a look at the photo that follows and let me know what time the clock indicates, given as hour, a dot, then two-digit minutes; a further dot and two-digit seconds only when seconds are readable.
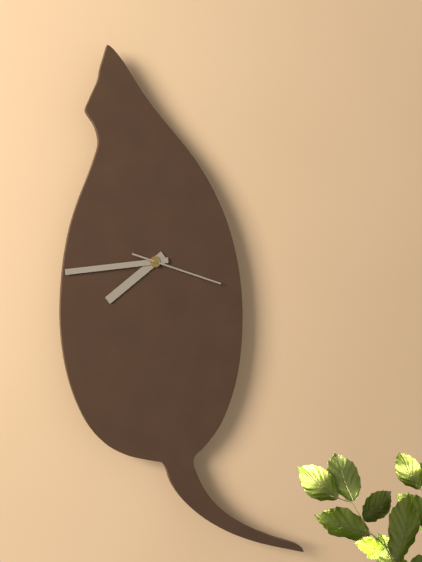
7.44.18
